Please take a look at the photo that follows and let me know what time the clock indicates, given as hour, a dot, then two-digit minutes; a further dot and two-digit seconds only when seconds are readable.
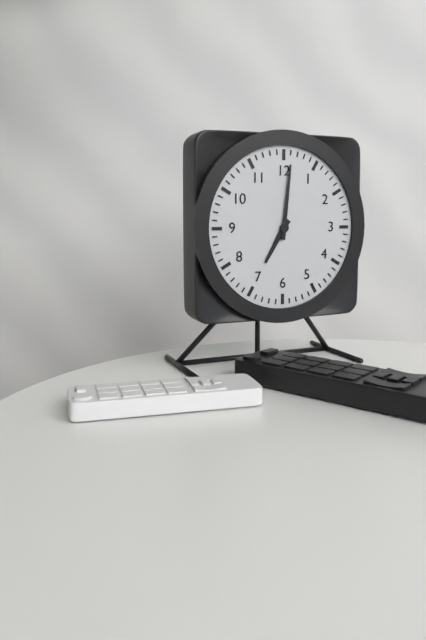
7.01
